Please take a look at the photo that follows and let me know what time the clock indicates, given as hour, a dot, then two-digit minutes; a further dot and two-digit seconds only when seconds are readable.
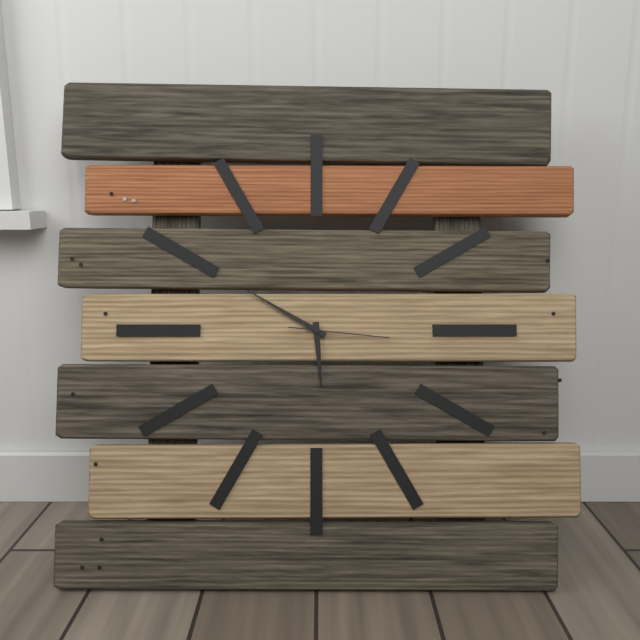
5.50.16
